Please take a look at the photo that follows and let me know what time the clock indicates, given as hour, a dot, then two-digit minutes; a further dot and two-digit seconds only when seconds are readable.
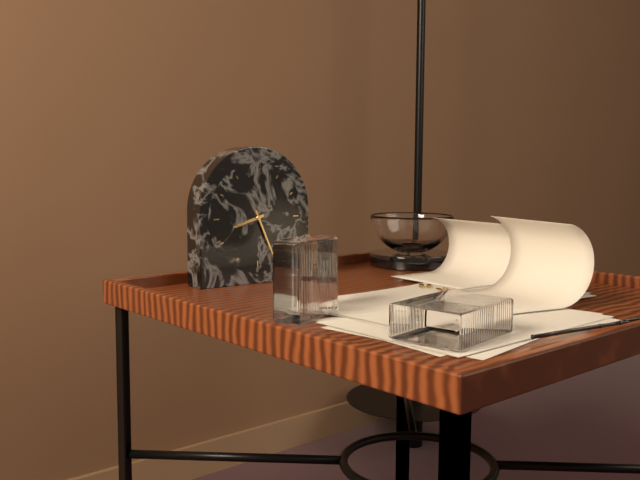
8.26
